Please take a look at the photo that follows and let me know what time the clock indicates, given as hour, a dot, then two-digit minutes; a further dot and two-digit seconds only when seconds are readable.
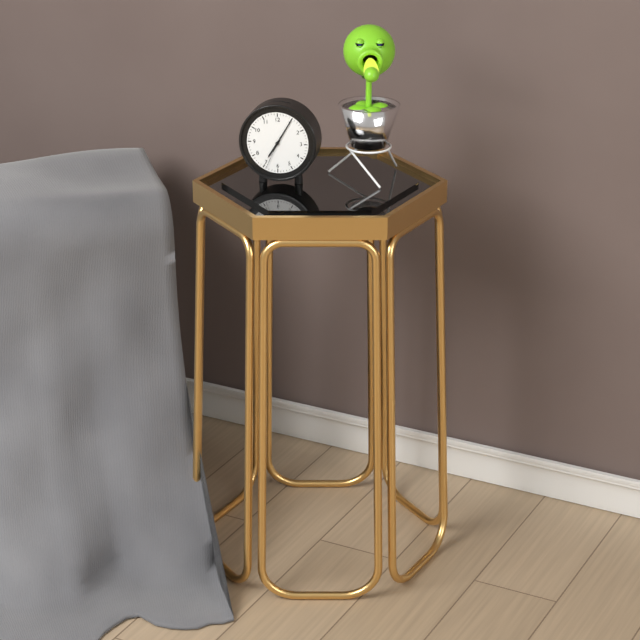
7.05
